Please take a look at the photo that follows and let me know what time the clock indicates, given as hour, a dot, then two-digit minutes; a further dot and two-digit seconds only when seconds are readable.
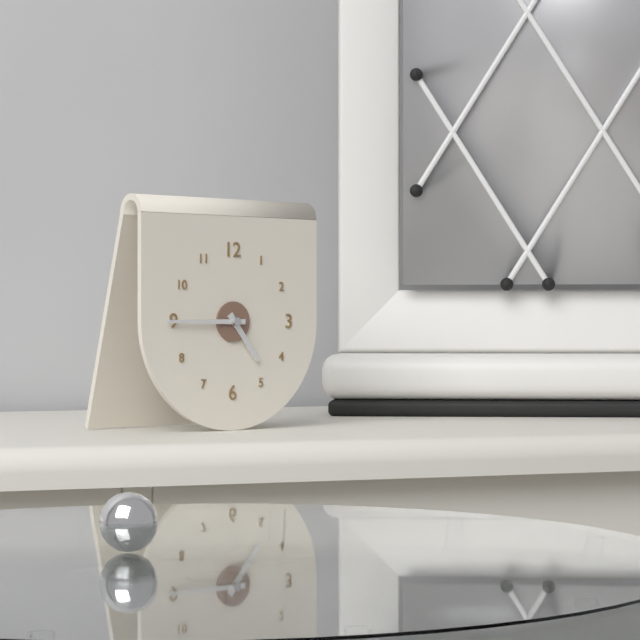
4.45
